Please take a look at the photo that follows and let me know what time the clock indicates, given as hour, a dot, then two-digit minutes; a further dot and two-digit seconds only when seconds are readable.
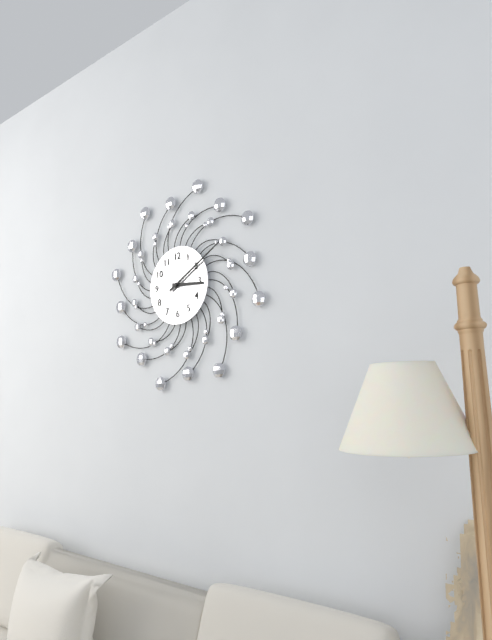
3.10
